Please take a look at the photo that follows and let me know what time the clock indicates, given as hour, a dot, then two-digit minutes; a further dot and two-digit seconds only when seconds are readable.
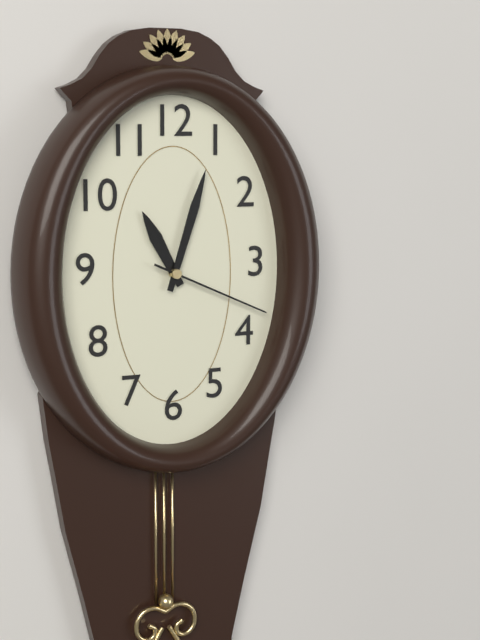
11.03.19
